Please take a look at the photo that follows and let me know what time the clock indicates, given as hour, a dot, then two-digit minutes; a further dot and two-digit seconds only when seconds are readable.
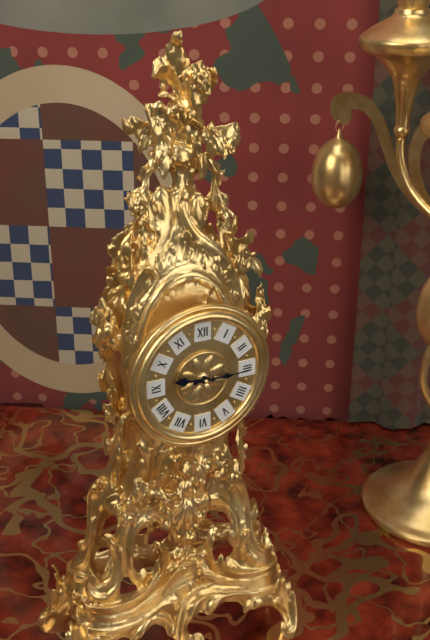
9.15
